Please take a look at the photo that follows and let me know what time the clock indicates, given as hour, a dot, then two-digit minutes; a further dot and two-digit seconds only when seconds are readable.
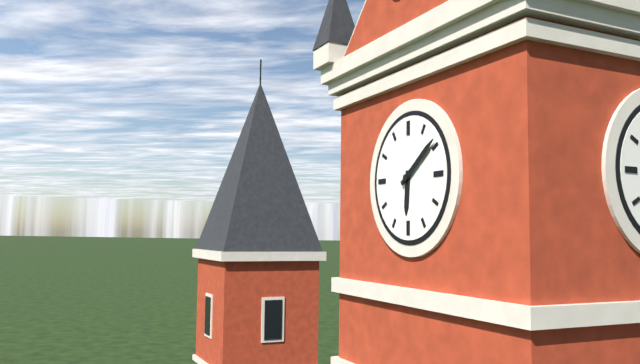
6.09
